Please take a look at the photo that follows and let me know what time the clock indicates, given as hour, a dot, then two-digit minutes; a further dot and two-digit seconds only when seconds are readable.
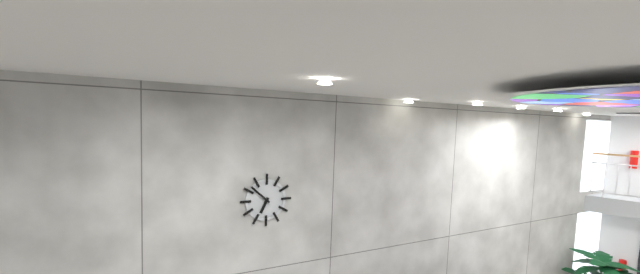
6.52
